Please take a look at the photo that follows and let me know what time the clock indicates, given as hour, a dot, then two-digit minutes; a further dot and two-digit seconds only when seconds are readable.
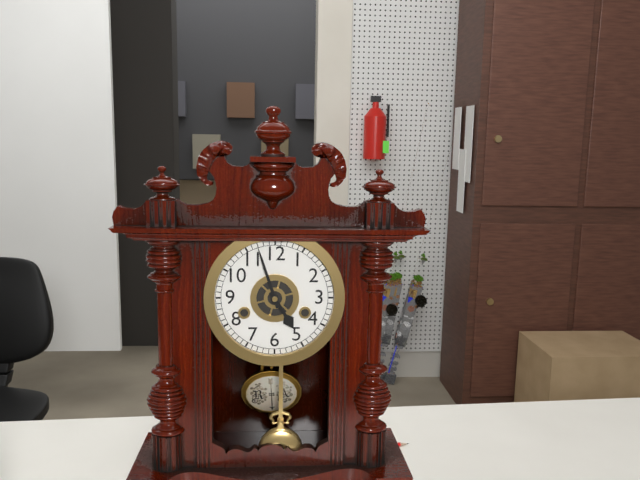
4.57
